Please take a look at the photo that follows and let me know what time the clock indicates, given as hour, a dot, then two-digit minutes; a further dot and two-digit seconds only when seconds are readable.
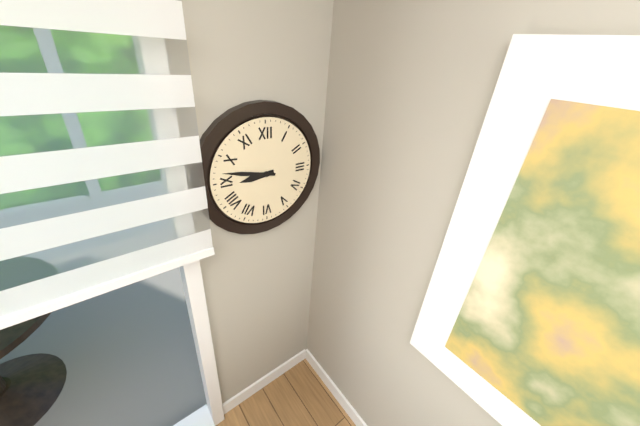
8.47
